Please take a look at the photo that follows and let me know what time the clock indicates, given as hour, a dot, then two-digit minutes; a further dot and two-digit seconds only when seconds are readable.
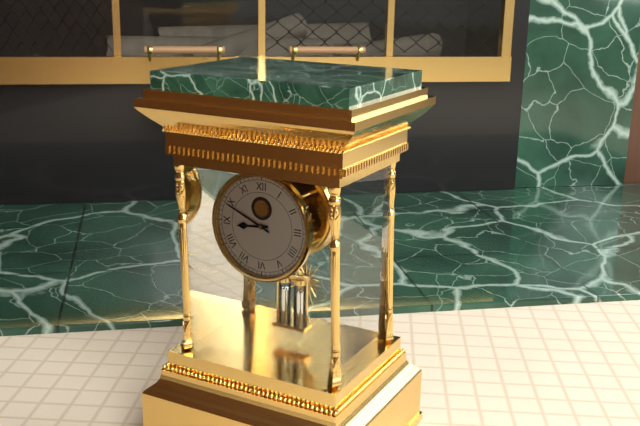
8.49
